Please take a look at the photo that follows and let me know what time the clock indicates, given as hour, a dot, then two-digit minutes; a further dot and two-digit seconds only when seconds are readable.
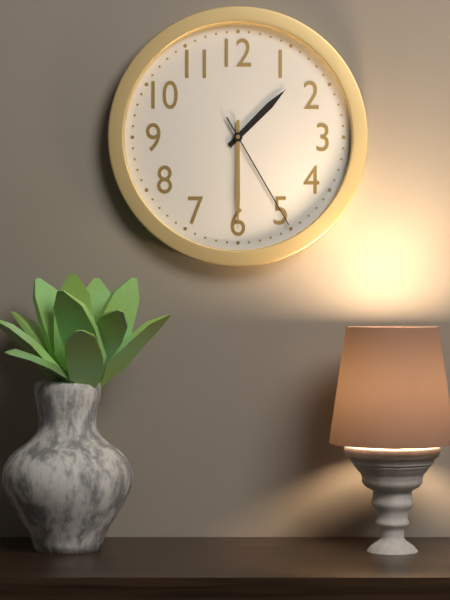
1.30.25
